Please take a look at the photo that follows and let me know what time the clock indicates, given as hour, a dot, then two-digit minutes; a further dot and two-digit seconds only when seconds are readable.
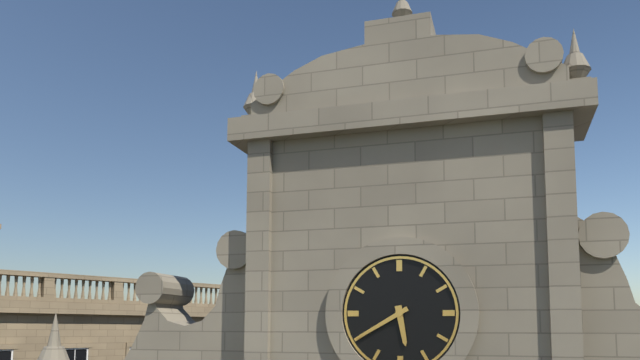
5.40
